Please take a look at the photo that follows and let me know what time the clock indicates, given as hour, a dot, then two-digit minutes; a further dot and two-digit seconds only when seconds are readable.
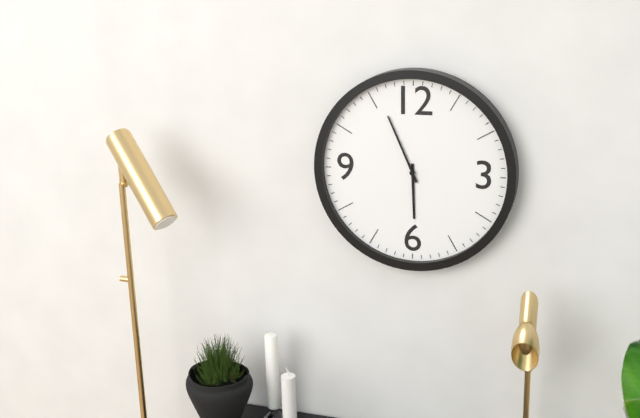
5.56
